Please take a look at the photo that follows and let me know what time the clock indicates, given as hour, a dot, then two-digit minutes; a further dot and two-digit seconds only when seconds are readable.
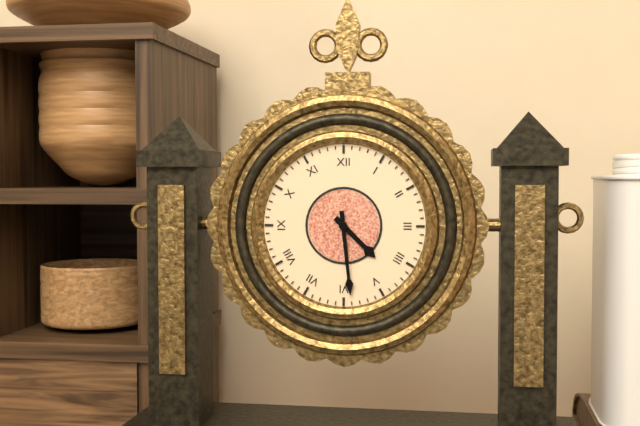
4.29
